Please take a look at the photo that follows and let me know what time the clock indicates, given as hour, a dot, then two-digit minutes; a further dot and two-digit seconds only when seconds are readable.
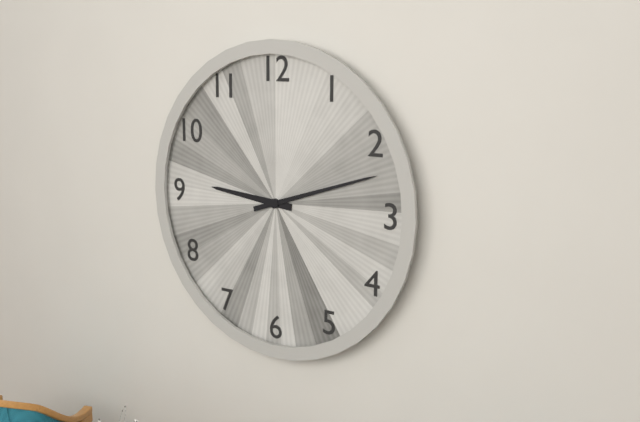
9.12
